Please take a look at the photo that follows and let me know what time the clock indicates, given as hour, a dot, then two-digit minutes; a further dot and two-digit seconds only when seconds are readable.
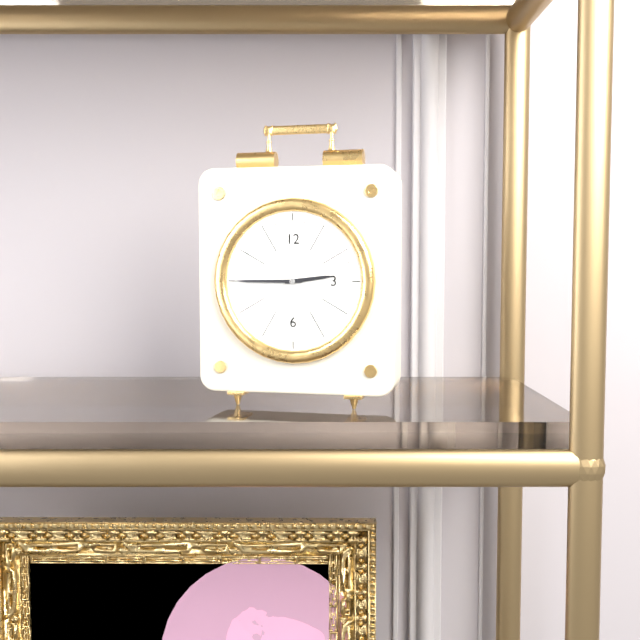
2.45
